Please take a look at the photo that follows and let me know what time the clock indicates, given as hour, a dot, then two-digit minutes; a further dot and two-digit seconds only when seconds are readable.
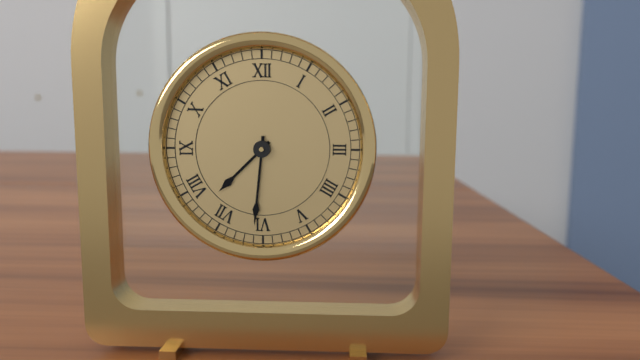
7.31
